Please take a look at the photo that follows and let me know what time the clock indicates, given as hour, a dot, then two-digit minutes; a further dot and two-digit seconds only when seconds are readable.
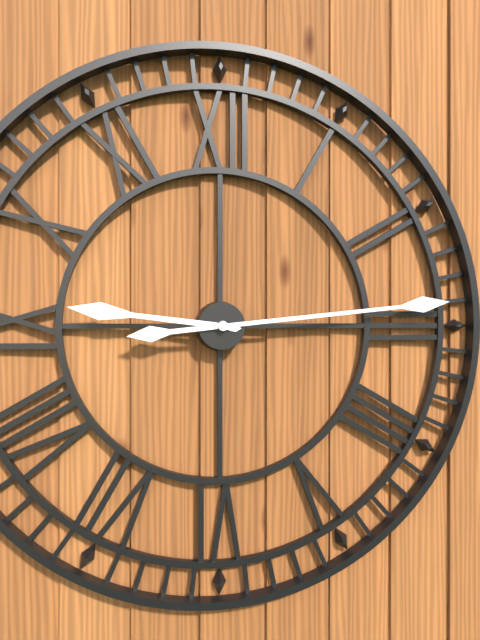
9.14
